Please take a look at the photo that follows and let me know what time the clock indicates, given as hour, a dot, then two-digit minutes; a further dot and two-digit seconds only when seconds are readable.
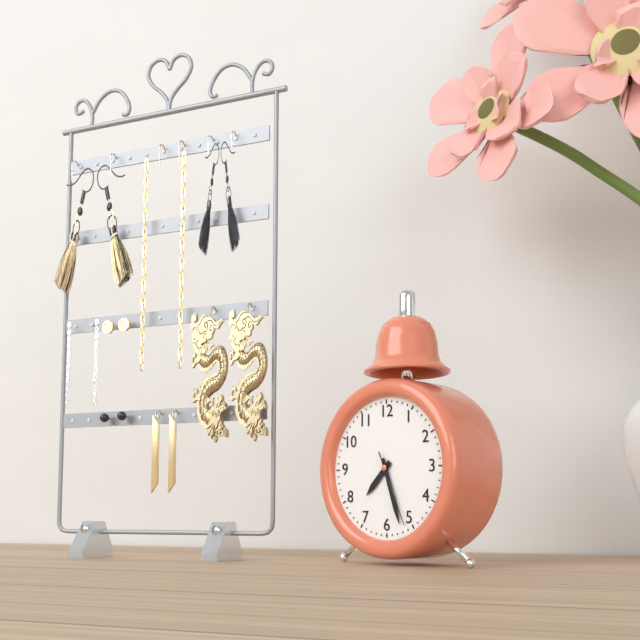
7.27.26
